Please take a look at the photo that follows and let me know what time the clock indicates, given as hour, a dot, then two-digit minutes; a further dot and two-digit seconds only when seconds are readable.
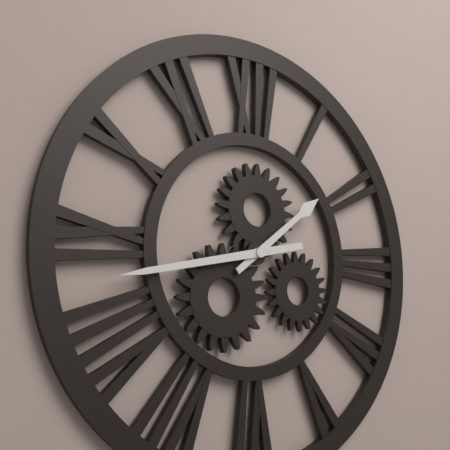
1.43
